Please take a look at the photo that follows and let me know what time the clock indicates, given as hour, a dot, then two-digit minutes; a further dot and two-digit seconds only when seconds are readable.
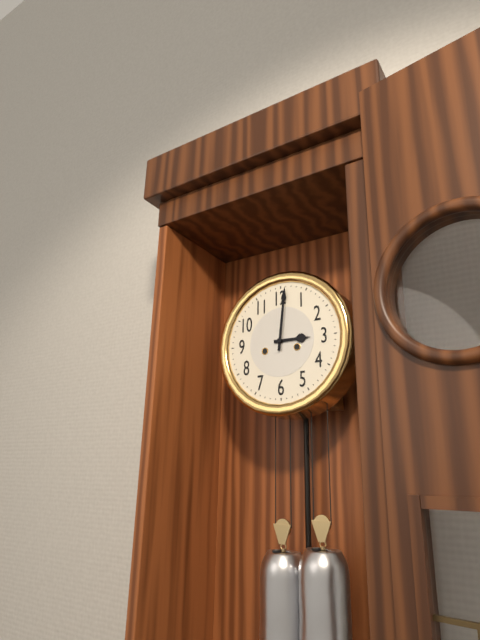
3.01
